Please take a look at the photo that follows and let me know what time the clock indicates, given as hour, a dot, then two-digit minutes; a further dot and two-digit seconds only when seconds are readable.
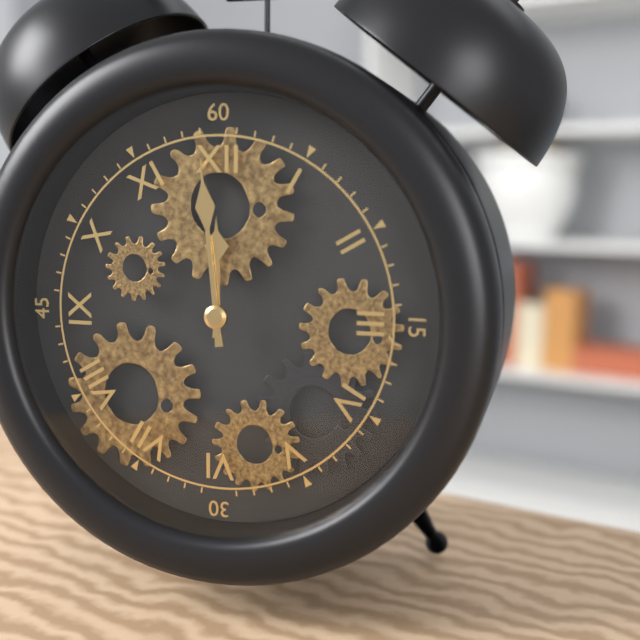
11.59
